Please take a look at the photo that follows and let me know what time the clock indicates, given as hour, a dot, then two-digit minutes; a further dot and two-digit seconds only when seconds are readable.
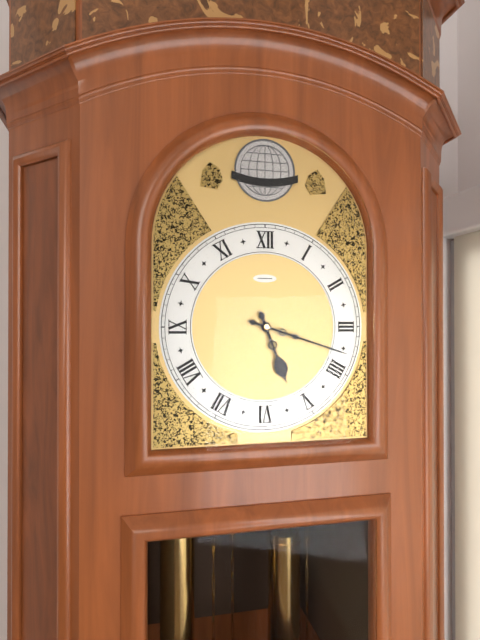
5.18
